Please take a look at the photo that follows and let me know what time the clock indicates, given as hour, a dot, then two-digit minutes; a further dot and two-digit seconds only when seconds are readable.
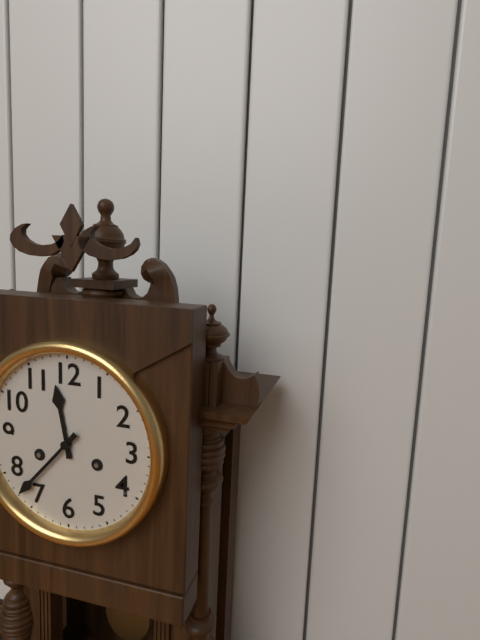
11.37
